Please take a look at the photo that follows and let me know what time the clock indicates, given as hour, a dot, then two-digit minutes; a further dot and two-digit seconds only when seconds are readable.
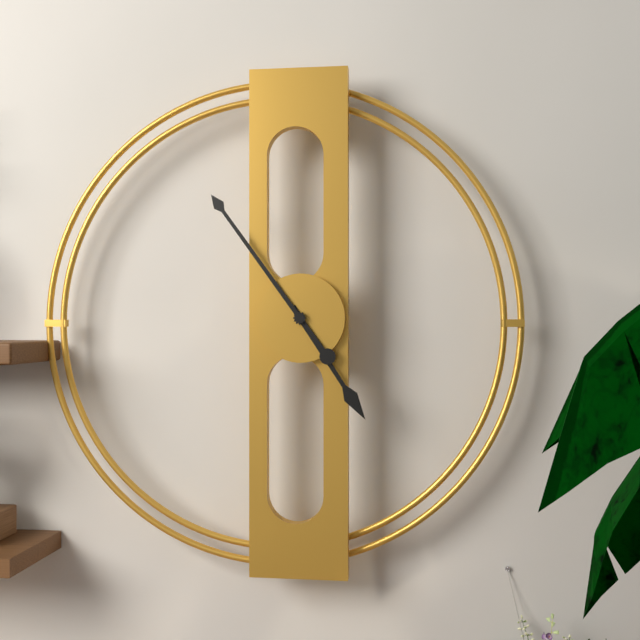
4.54
